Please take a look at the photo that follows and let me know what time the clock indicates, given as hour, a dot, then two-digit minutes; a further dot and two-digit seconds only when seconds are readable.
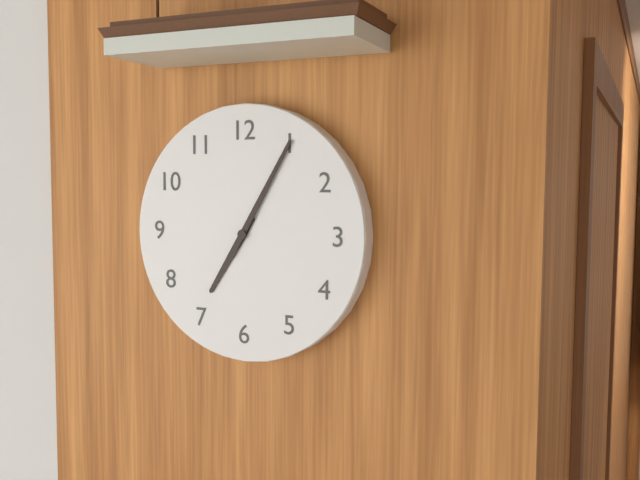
7.05
